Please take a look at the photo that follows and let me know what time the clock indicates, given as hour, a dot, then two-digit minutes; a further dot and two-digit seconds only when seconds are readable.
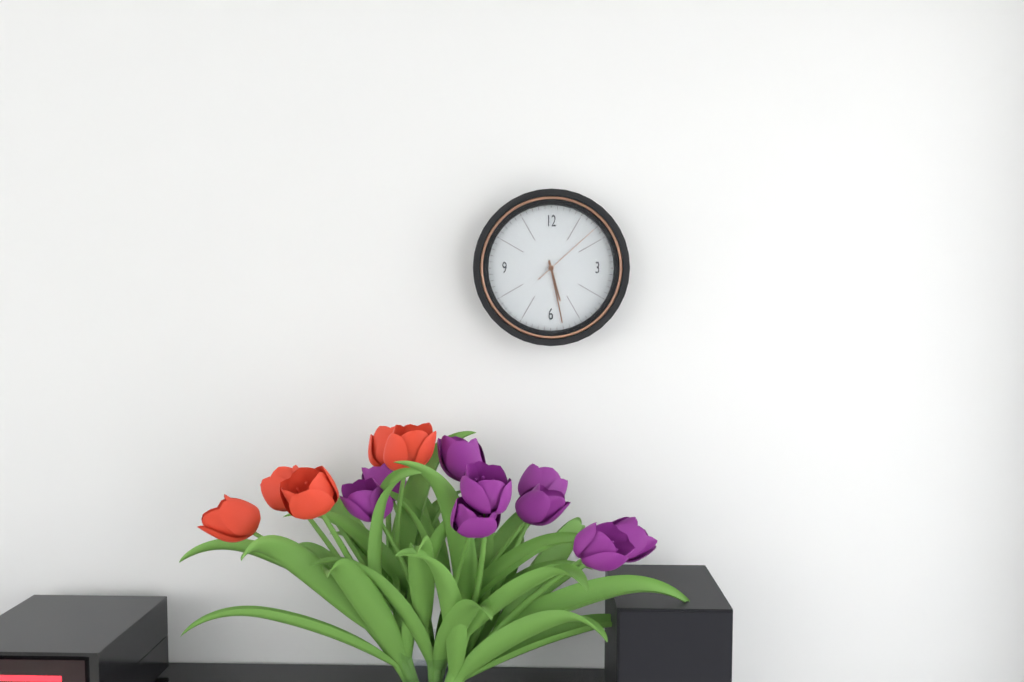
5.28.08
